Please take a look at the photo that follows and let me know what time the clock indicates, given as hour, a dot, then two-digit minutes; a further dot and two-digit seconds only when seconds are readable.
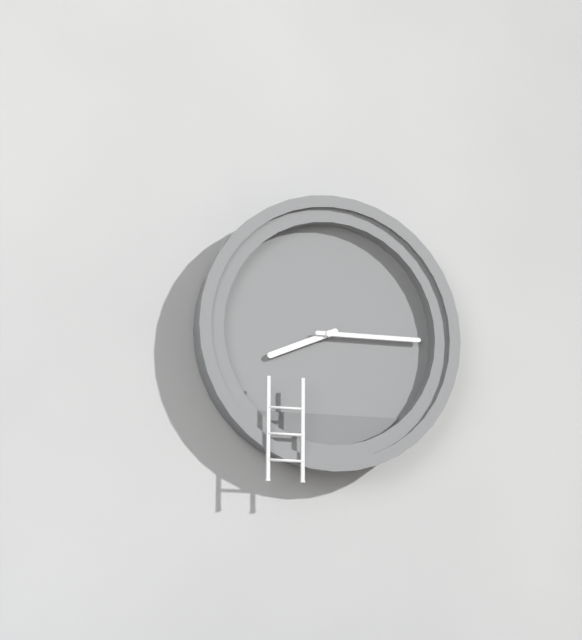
8.15
